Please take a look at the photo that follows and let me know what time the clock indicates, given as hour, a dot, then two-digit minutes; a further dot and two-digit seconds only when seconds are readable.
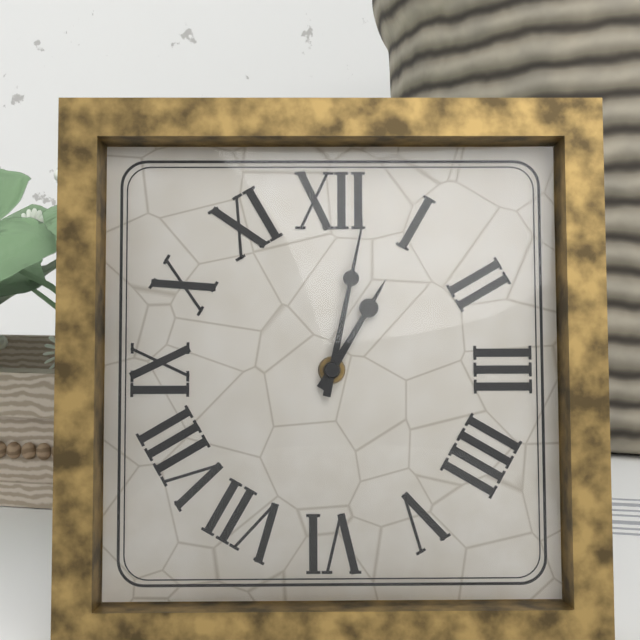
1.02
